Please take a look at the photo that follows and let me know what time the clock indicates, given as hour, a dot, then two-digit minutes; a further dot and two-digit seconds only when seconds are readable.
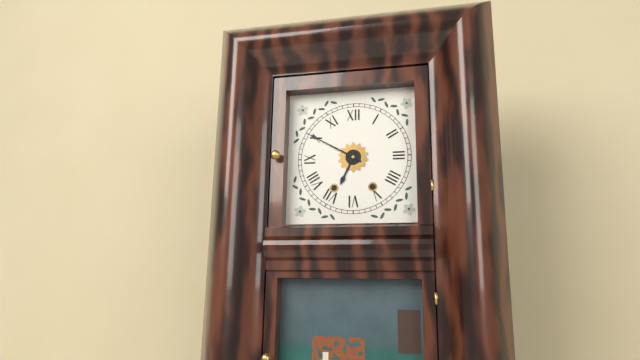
6.50
